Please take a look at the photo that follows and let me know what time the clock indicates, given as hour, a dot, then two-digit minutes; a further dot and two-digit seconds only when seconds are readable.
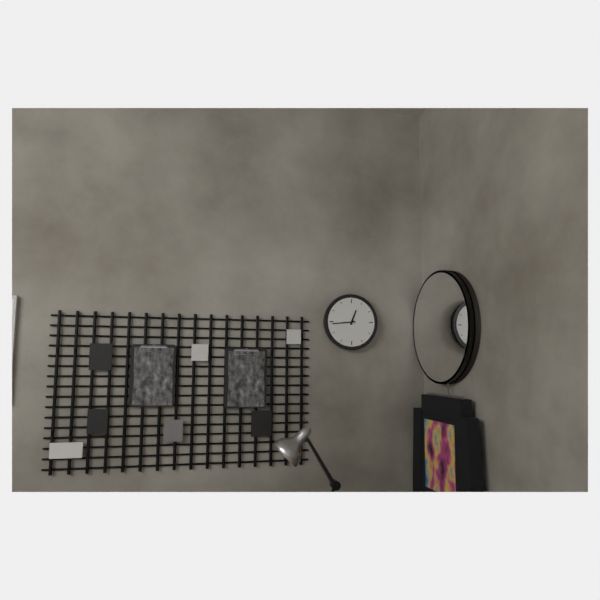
12.44
